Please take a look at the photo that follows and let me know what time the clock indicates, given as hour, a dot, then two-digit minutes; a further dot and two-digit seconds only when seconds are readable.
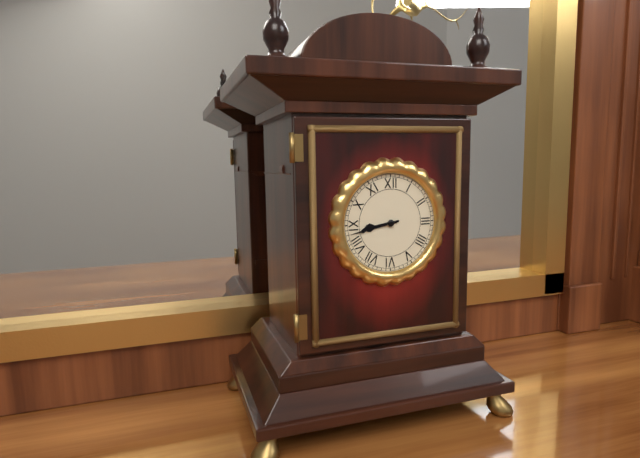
8.43
